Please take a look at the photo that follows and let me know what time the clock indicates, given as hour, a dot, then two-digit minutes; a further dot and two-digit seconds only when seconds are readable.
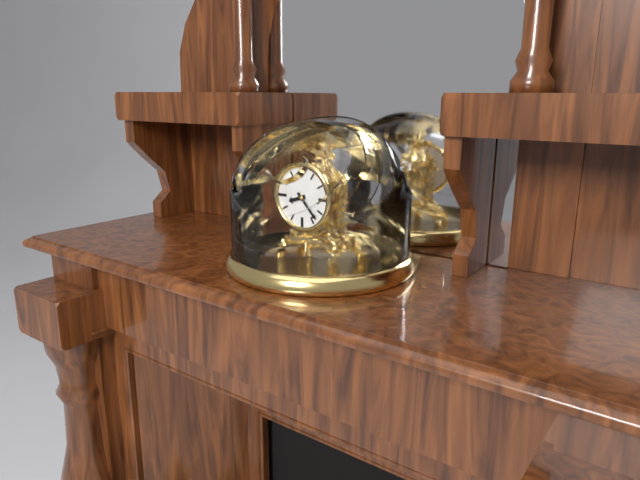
8.23
